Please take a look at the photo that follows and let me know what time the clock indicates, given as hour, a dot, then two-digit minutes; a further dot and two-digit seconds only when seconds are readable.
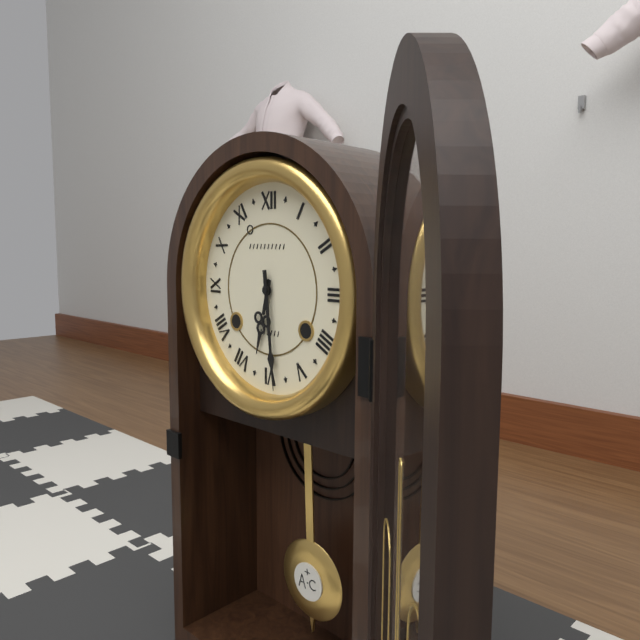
6.29
